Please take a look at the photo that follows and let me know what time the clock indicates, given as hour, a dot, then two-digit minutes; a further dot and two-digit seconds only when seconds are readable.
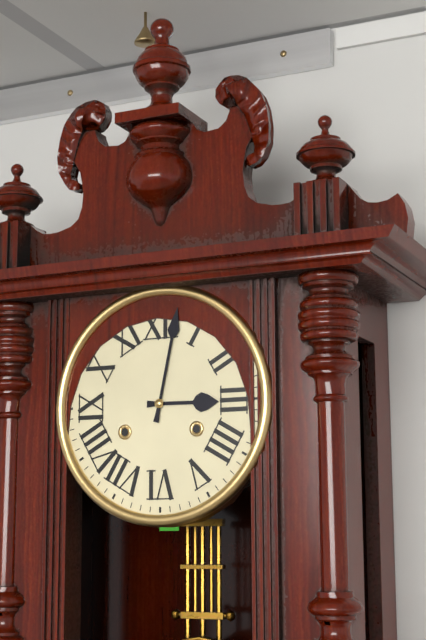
3.02
